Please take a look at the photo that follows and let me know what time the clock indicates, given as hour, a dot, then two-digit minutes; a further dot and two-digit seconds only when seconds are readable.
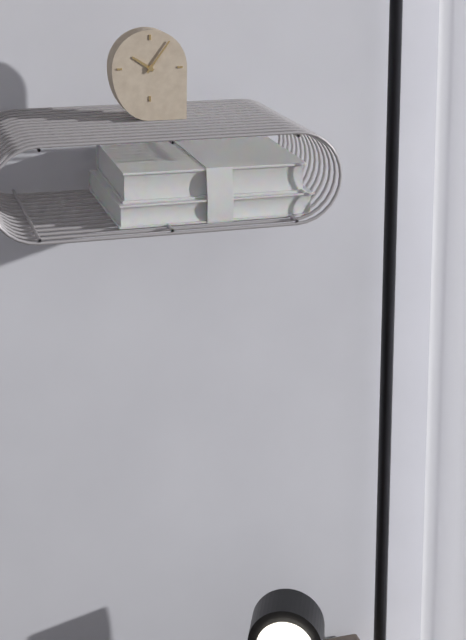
10.06
